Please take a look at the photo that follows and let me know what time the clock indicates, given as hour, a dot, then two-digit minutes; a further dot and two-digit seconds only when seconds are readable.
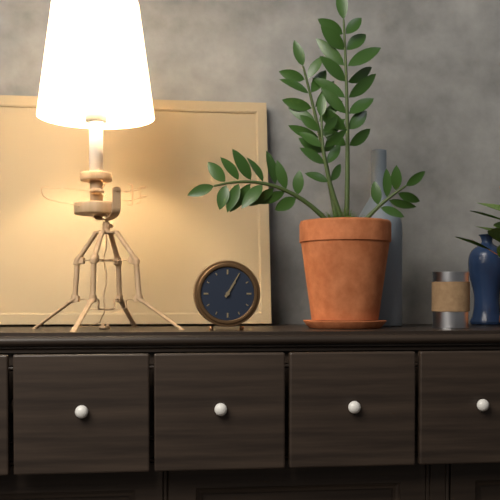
1.05
